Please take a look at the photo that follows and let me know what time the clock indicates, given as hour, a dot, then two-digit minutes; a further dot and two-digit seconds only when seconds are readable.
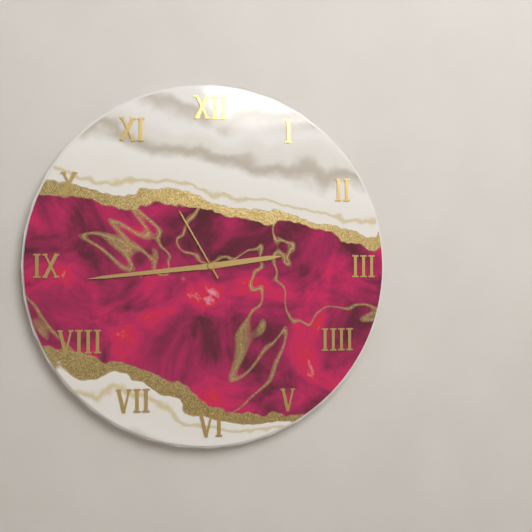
2.44.55
